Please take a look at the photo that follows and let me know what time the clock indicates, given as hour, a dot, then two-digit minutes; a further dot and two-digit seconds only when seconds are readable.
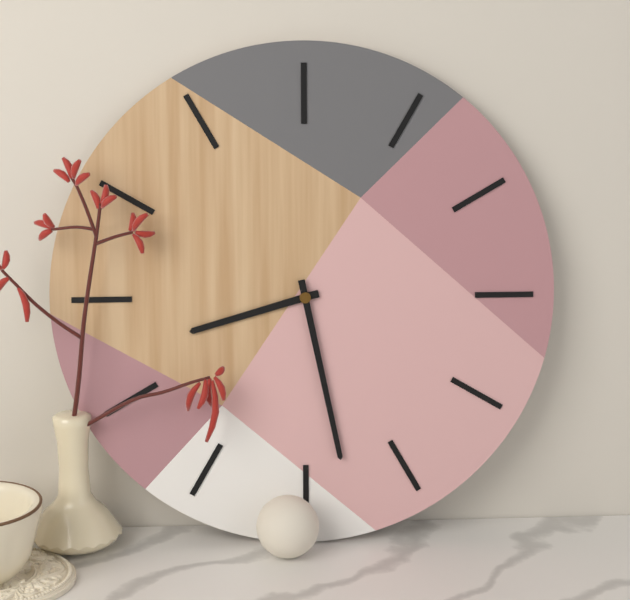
8.28
